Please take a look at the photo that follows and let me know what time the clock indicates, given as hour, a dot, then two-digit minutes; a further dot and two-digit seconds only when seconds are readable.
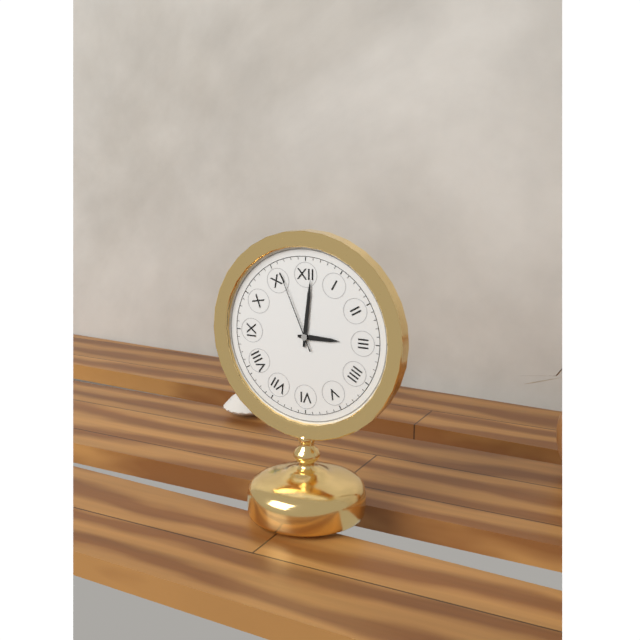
3.01.56
